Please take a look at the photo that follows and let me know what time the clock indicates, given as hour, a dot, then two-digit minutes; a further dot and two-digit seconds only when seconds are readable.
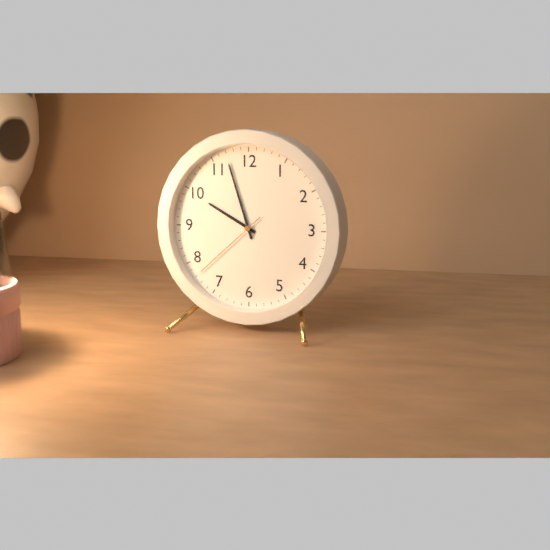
9.57.38
